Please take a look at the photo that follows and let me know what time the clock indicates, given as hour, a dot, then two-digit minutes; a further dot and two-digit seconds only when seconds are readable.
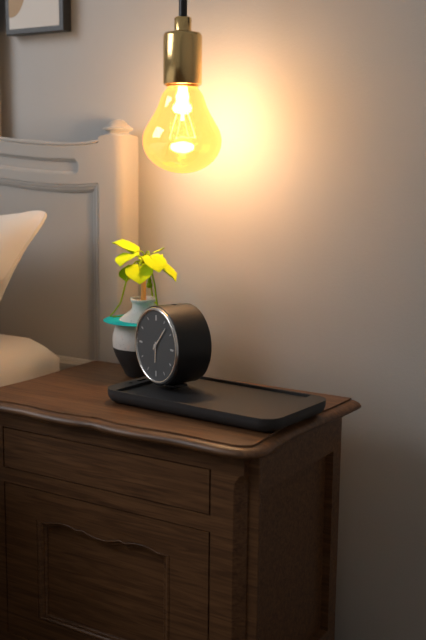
6.07
